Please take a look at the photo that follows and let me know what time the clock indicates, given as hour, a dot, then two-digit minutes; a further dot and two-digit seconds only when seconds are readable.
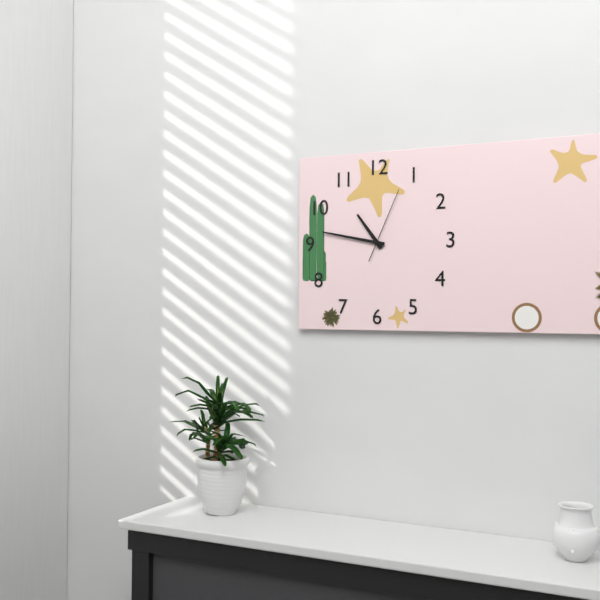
10.47.04
